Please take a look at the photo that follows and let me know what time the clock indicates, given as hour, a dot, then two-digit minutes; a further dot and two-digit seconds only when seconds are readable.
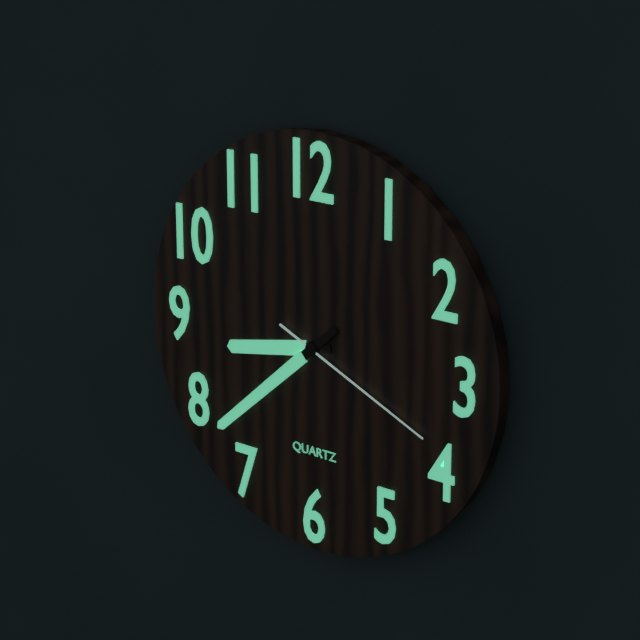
8.38.19
